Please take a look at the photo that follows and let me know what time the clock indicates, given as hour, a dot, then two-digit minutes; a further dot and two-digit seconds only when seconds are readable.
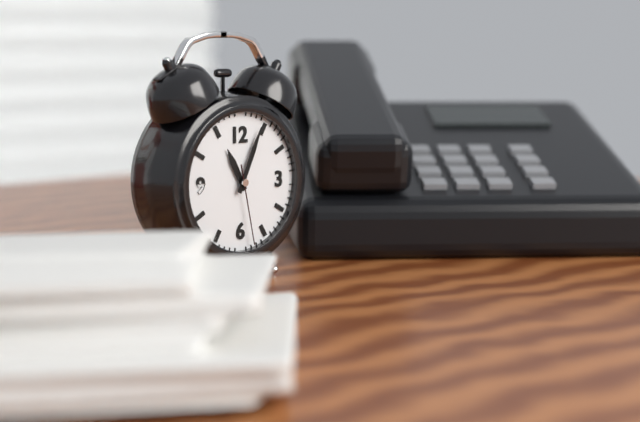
11.04.28
